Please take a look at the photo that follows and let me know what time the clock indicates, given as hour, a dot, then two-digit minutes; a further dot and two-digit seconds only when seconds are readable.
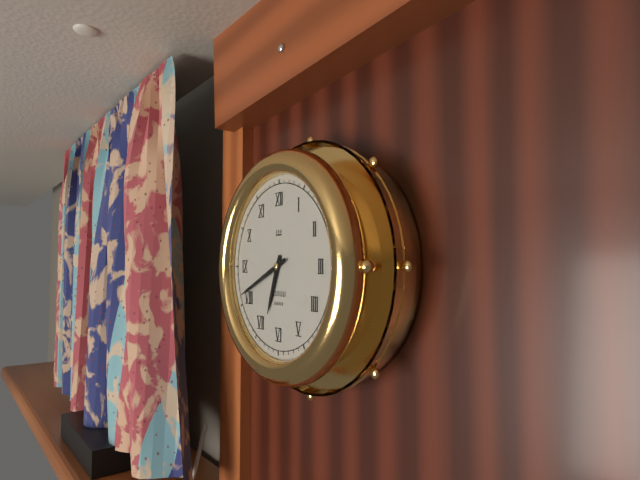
6.41
